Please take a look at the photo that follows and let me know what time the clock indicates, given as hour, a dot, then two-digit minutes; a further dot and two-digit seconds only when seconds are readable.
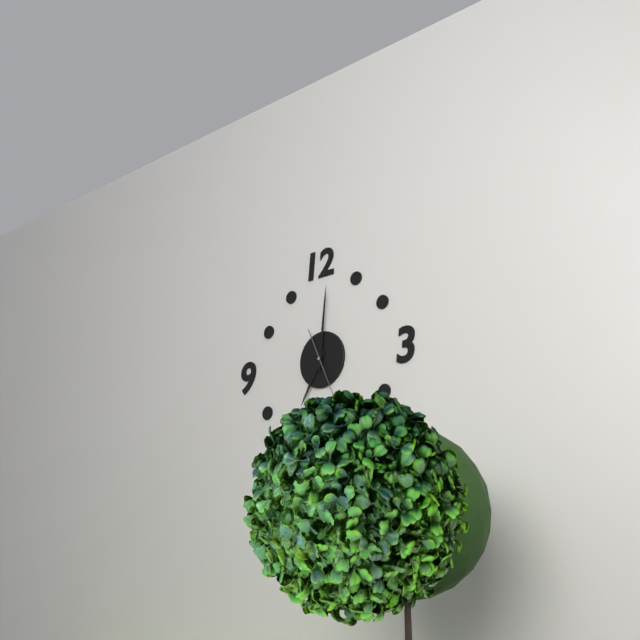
7.01.26
